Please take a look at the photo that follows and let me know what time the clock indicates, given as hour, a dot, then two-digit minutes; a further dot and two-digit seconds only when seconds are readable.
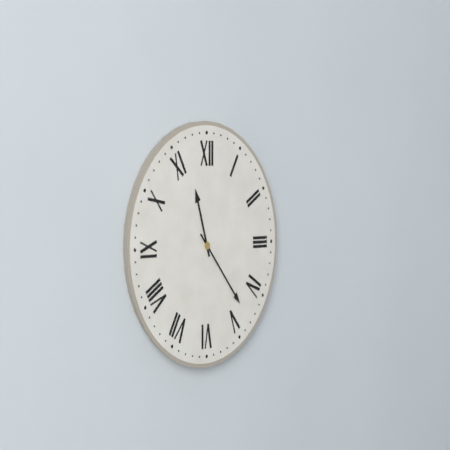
11.23
